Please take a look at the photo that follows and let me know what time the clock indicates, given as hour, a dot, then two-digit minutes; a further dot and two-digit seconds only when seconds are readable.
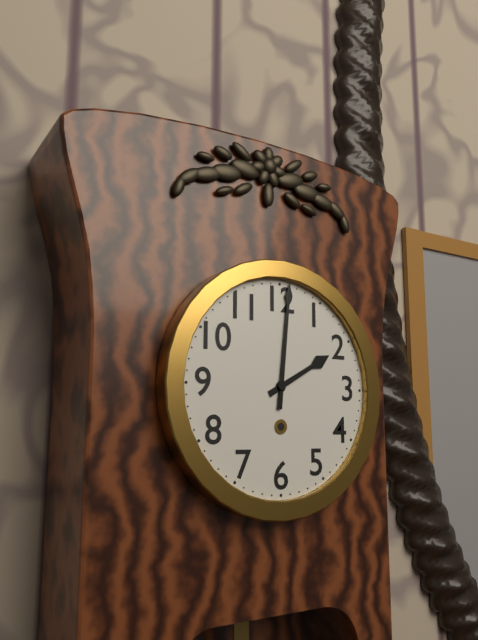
2.01
